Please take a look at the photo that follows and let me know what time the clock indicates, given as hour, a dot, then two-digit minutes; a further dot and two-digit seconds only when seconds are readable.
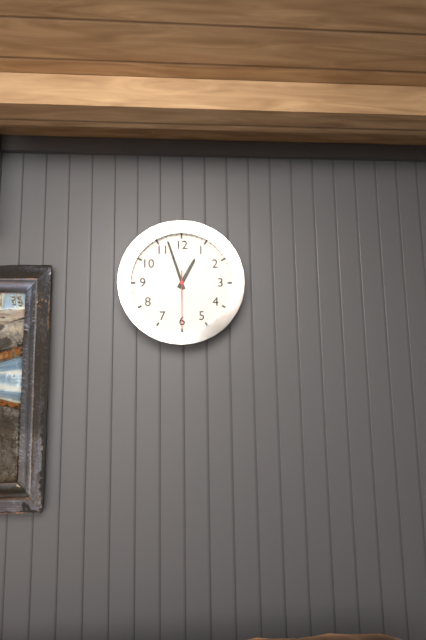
12.57.30
